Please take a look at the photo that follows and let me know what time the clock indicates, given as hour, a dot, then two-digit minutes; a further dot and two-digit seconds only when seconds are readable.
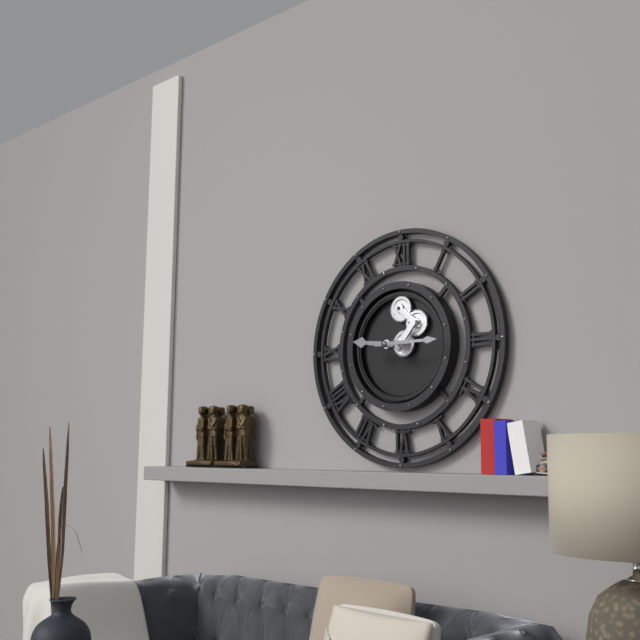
9.15
